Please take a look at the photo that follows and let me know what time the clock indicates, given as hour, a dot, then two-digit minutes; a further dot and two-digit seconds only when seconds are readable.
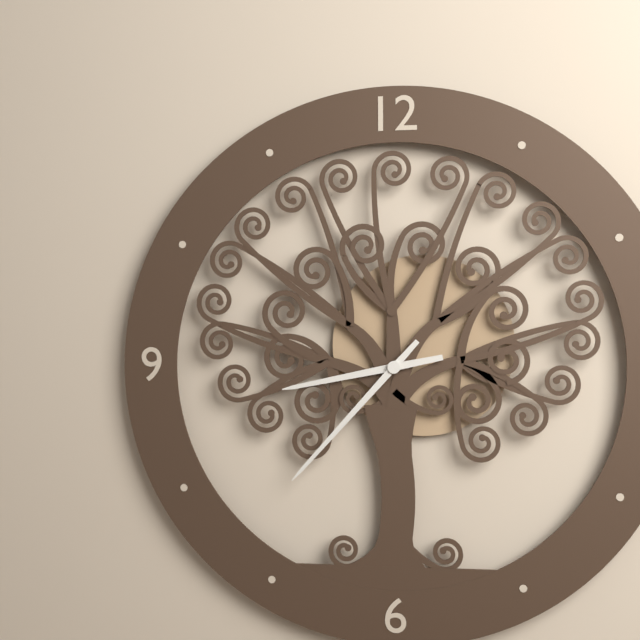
8.37
